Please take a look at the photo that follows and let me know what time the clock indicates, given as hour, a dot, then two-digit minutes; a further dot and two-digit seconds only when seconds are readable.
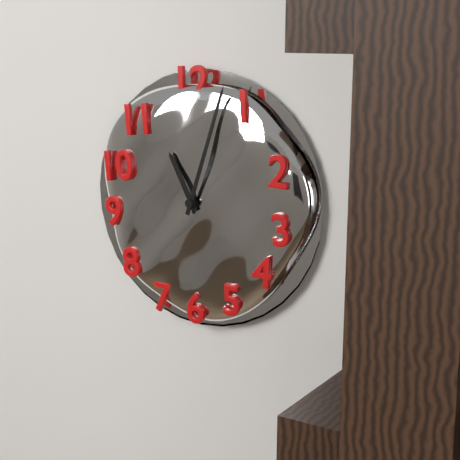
11.03
